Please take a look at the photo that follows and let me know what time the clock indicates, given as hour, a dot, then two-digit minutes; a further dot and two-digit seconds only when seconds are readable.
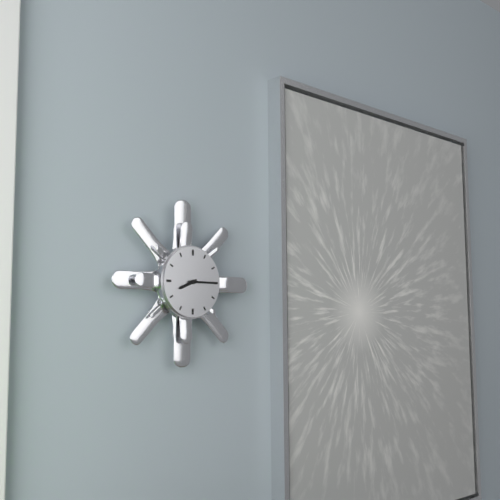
8.15
